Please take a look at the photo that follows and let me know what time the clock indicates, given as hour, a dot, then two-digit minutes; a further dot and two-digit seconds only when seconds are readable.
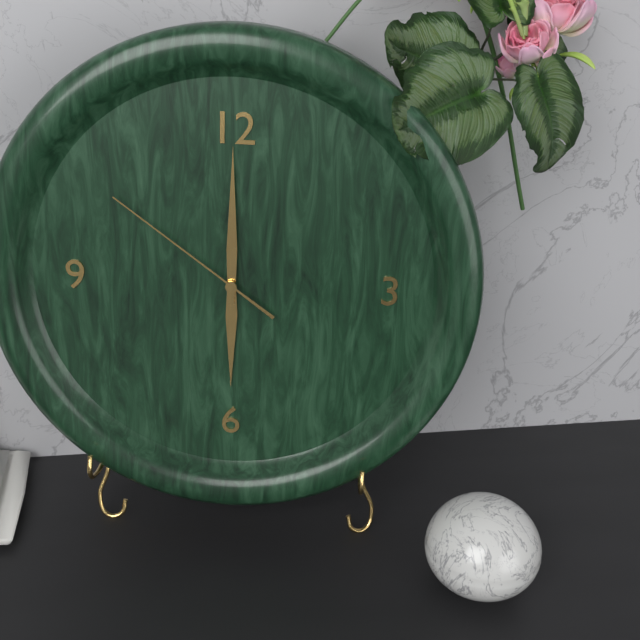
6.00.51
